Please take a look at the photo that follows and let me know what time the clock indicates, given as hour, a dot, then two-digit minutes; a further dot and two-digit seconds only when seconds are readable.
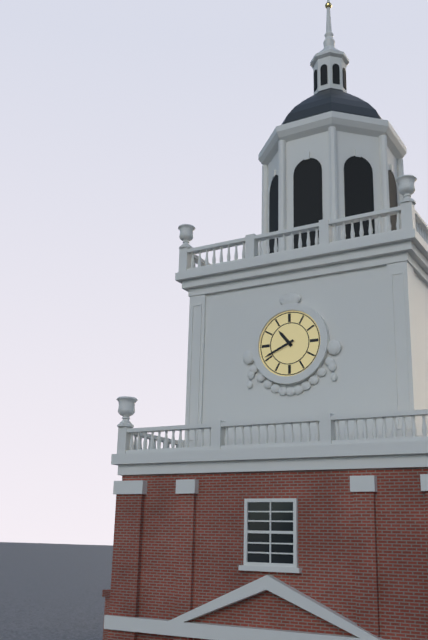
10.41
